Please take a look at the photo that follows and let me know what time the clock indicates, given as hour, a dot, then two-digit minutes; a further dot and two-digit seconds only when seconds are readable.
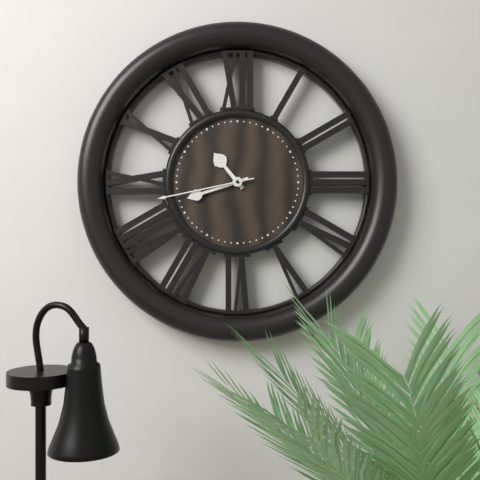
10.42.43
